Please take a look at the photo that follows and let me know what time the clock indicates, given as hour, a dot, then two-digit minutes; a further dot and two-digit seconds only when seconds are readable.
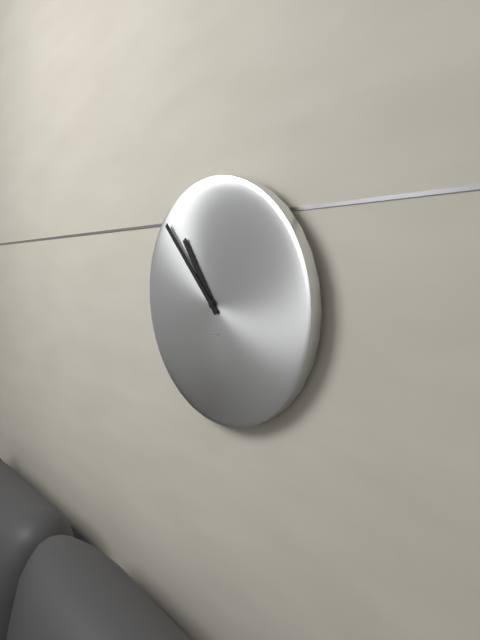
10.53
